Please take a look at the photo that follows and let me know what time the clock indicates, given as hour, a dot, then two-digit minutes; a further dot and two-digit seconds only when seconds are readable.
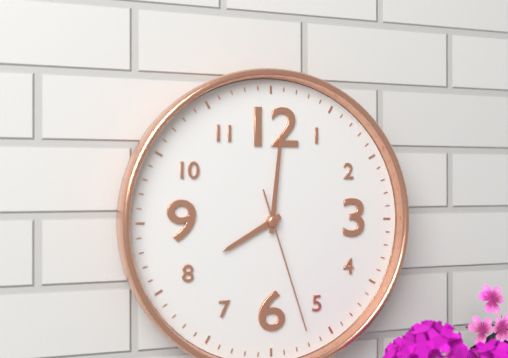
8.01.27
